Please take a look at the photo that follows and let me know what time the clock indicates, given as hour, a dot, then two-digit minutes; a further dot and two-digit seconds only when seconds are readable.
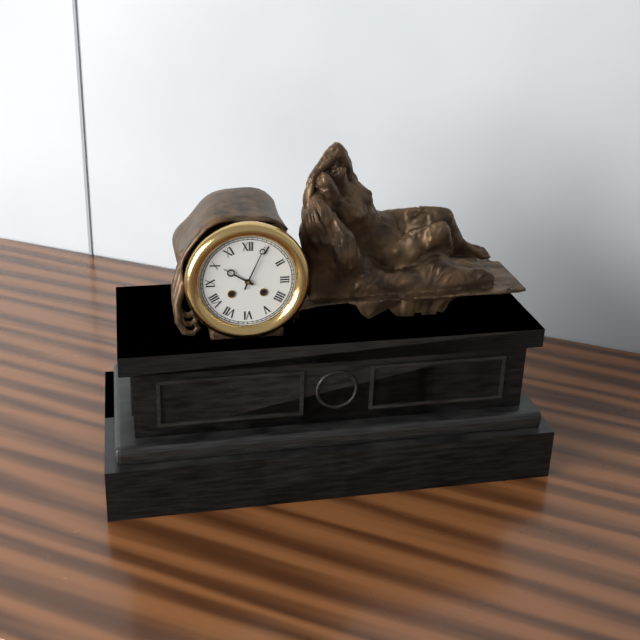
10.04
